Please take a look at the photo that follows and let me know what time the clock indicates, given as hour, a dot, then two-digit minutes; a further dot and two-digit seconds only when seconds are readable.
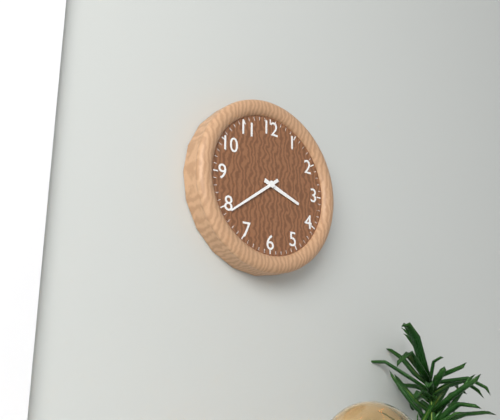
3.39
